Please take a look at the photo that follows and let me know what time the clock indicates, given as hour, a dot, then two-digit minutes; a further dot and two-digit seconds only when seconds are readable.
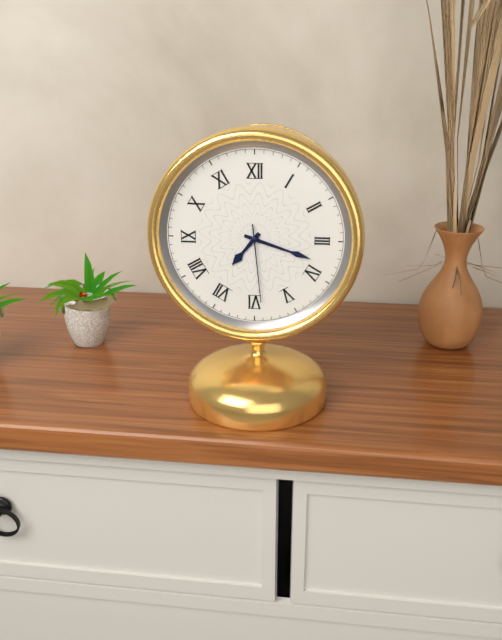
7.18.29
